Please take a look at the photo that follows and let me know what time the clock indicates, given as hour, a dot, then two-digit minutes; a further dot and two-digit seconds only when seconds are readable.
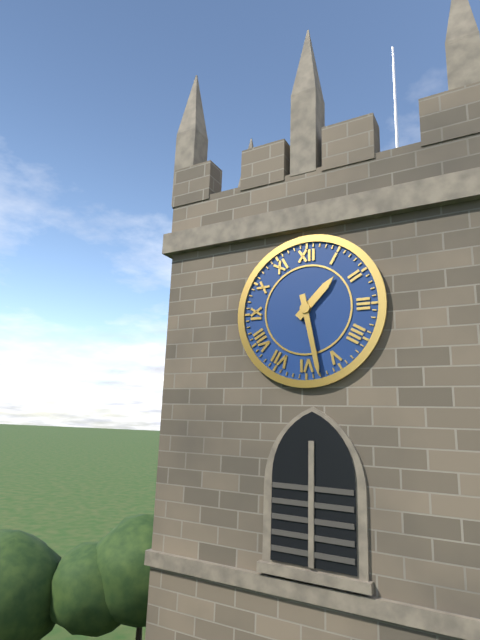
1.28
